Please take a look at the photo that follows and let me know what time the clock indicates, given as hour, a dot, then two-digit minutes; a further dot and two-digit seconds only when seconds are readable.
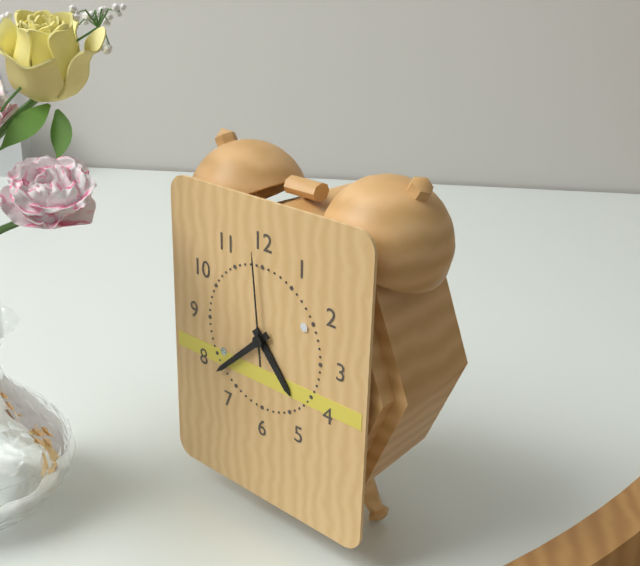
4.38.59
